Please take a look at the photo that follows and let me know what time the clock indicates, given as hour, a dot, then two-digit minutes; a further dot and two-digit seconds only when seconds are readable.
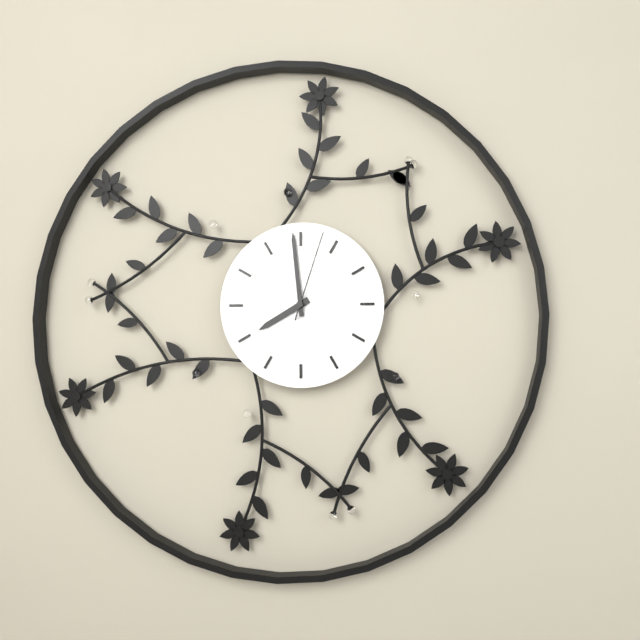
7.59.03
